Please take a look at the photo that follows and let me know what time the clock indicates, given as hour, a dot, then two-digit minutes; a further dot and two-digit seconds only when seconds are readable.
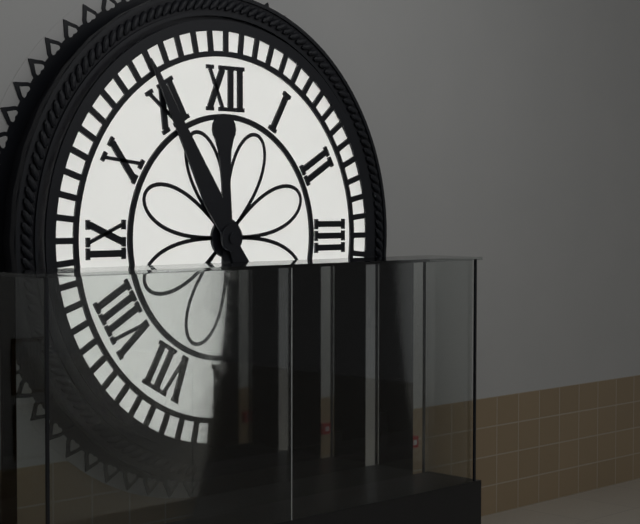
11.55
